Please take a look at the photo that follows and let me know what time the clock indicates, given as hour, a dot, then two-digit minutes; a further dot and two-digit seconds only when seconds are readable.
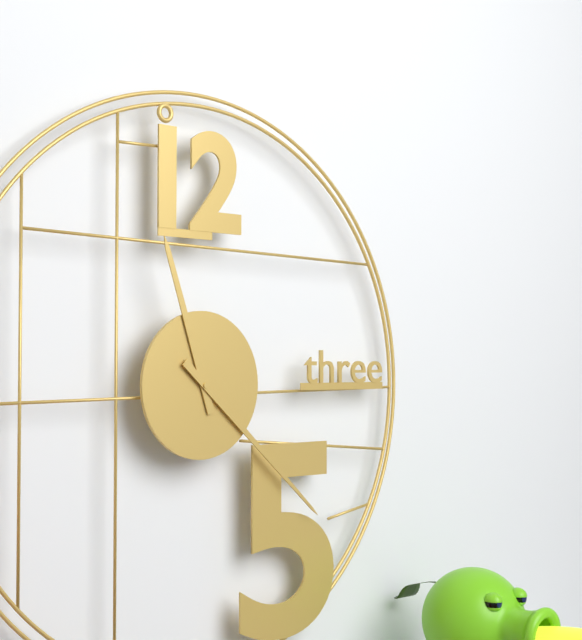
11.22
